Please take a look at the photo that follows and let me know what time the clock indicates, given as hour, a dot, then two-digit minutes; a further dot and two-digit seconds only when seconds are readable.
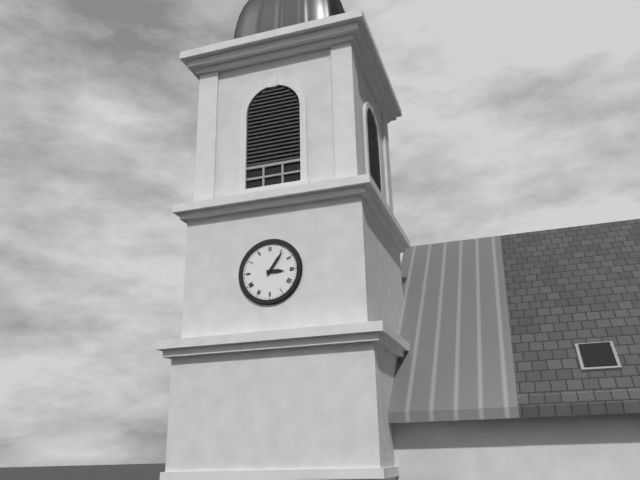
3.06
